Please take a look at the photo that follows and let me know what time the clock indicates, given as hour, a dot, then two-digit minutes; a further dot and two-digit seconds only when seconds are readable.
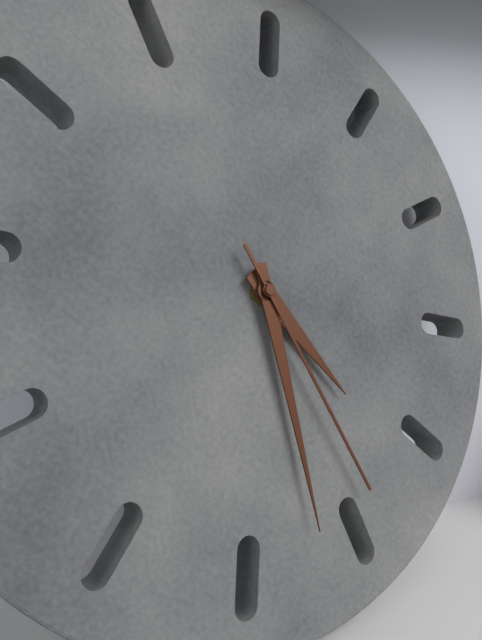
3.22.19
